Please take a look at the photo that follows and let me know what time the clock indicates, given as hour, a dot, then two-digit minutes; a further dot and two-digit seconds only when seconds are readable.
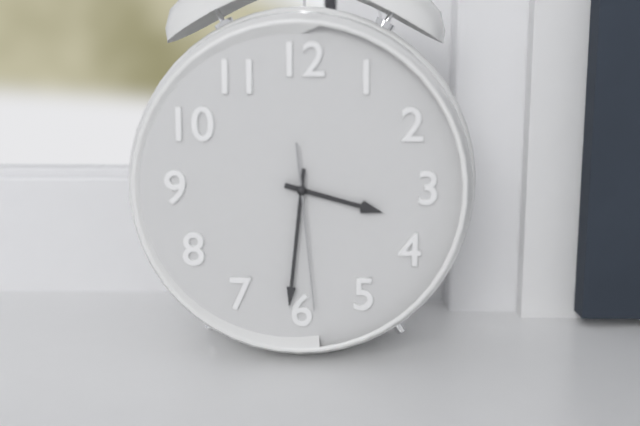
3.31.29
